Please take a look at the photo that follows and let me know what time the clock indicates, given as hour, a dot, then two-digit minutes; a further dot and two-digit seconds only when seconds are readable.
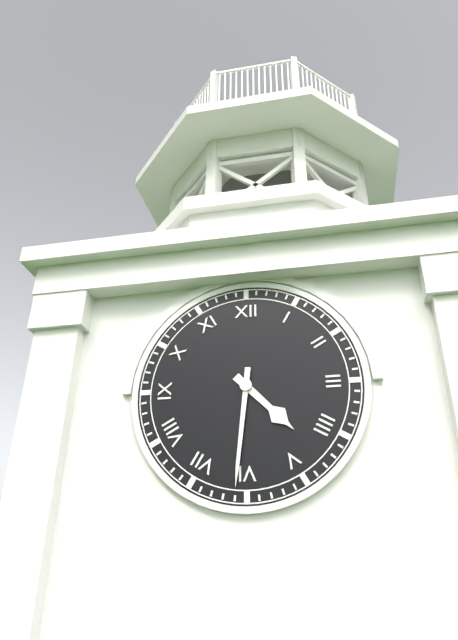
4.31
